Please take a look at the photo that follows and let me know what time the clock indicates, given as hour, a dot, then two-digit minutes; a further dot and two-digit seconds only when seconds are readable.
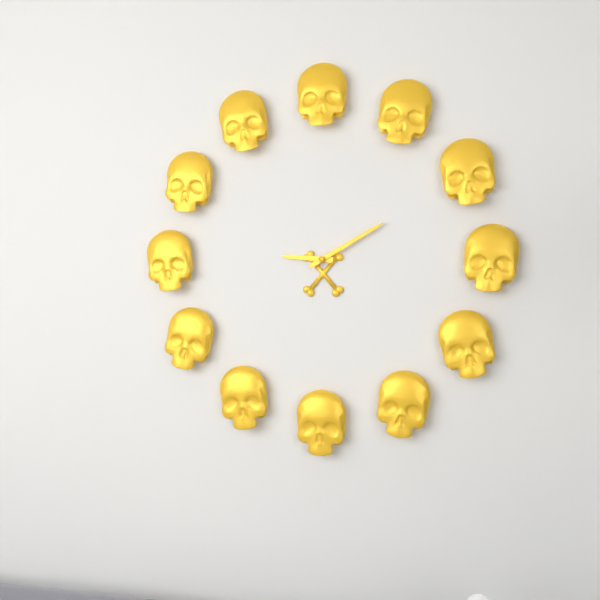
9.10
